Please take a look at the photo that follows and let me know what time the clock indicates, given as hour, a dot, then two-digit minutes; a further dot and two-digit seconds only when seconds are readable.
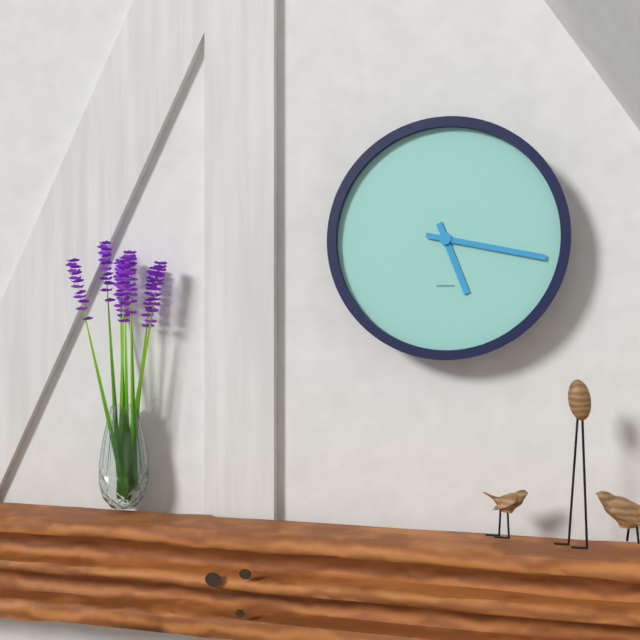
5.17
